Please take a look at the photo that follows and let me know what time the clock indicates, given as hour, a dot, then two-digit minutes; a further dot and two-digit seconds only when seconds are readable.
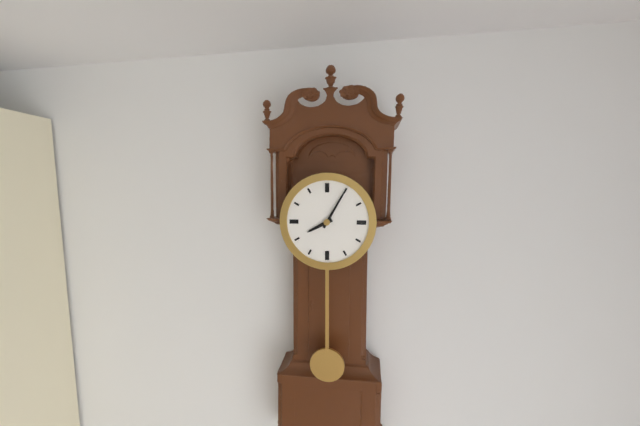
8.05
